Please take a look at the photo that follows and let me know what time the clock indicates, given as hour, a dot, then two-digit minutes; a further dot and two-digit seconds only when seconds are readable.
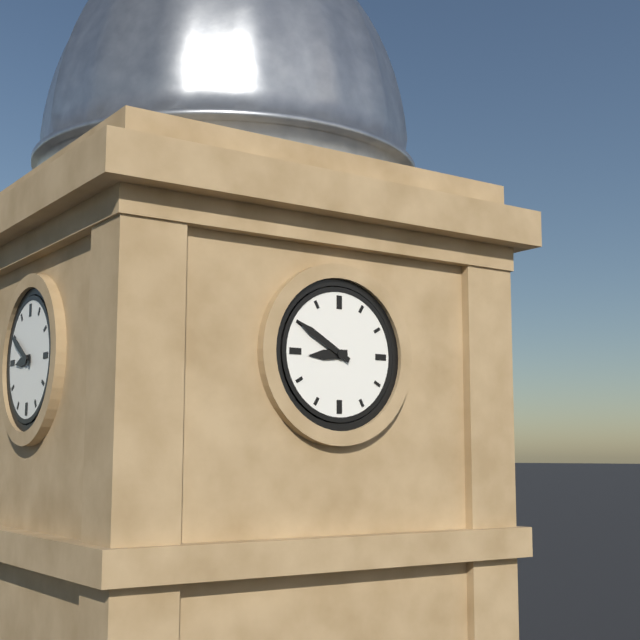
8.50
